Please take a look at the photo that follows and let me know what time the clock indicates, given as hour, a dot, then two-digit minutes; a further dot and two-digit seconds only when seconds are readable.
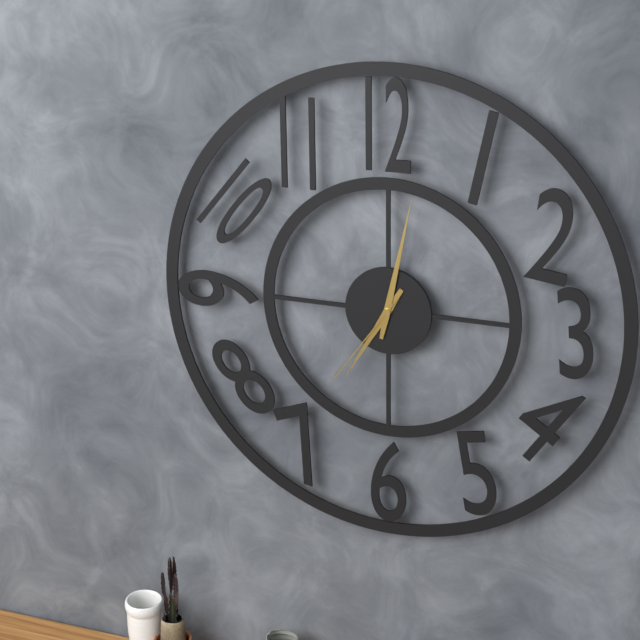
7.02.36
